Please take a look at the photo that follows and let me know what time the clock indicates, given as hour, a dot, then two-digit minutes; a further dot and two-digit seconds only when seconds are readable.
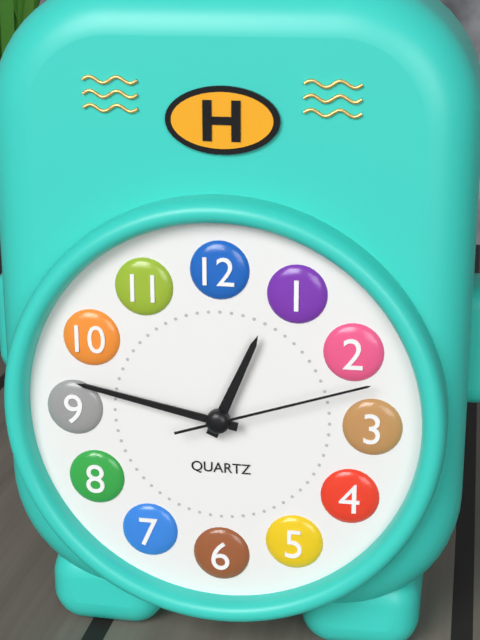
12.47.12
